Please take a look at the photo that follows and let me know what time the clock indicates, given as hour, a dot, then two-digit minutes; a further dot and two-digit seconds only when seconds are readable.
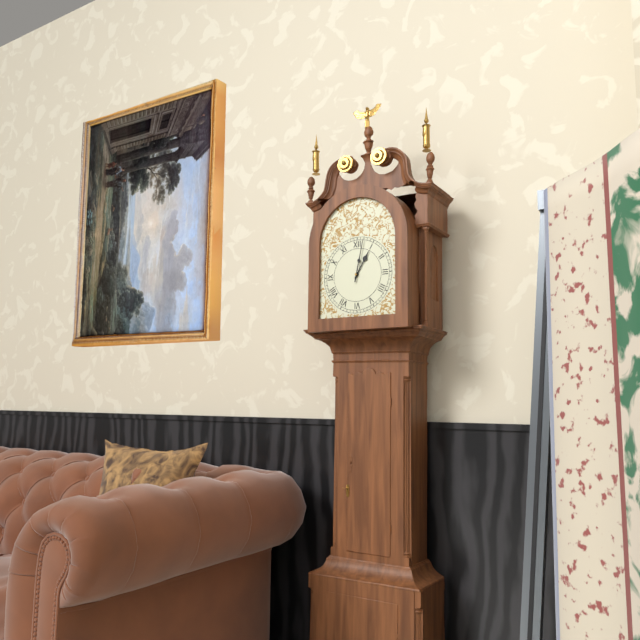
1.02
